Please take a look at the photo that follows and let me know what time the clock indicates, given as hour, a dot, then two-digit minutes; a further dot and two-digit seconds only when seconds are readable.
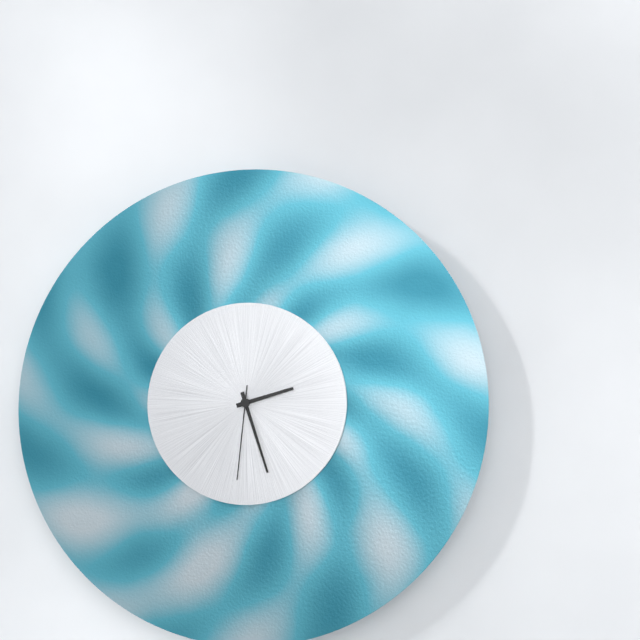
2.27.31
